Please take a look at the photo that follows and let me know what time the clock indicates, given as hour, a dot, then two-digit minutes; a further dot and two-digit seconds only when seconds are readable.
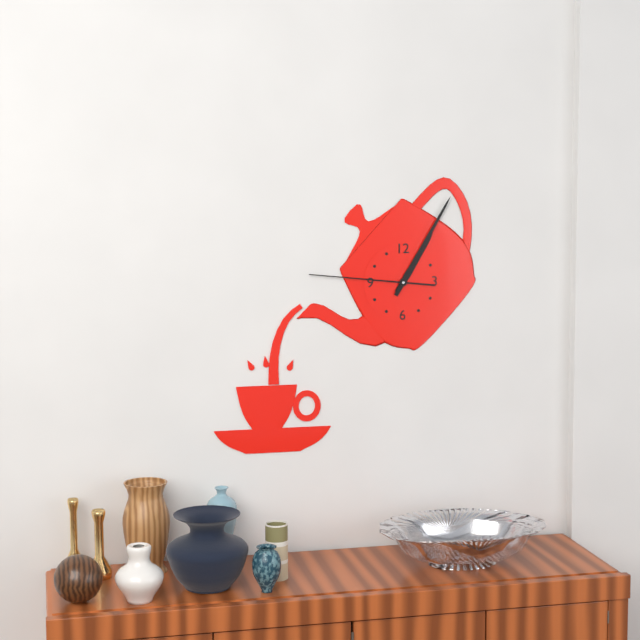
1.05.46
